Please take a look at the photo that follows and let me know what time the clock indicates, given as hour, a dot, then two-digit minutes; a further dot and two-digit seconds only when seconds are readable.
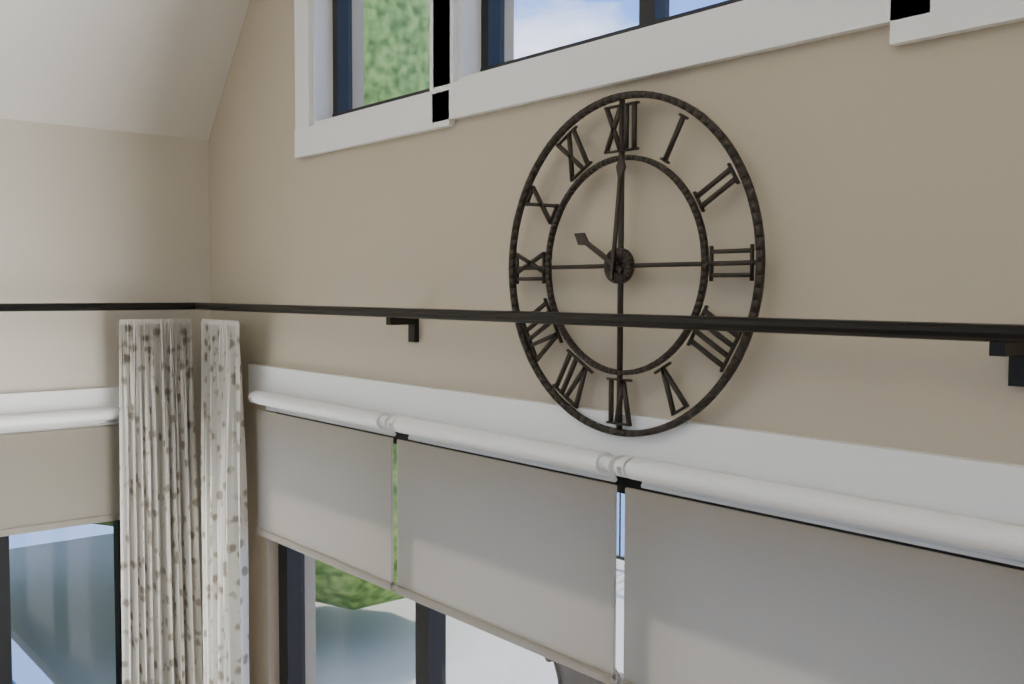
10.01
